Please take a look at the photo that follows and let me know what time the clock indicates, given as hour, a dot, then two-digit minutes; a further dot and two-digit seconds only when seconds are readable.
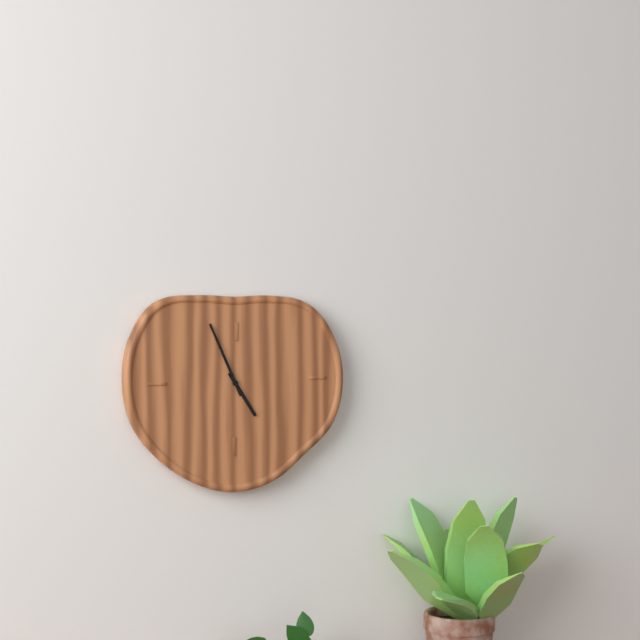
4.56
